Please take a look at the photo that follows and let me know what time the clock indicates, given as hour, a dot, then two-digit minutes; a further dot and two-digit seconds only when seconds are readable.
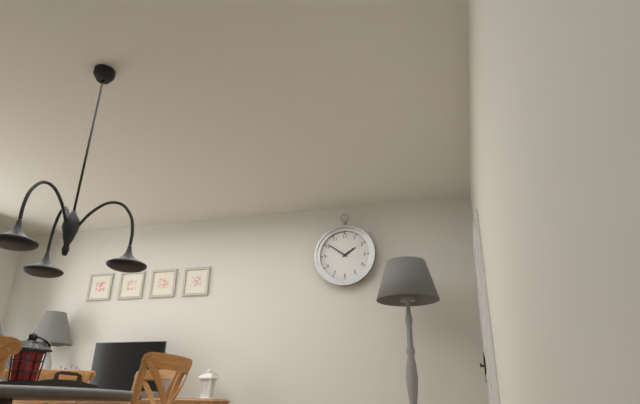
1.51
